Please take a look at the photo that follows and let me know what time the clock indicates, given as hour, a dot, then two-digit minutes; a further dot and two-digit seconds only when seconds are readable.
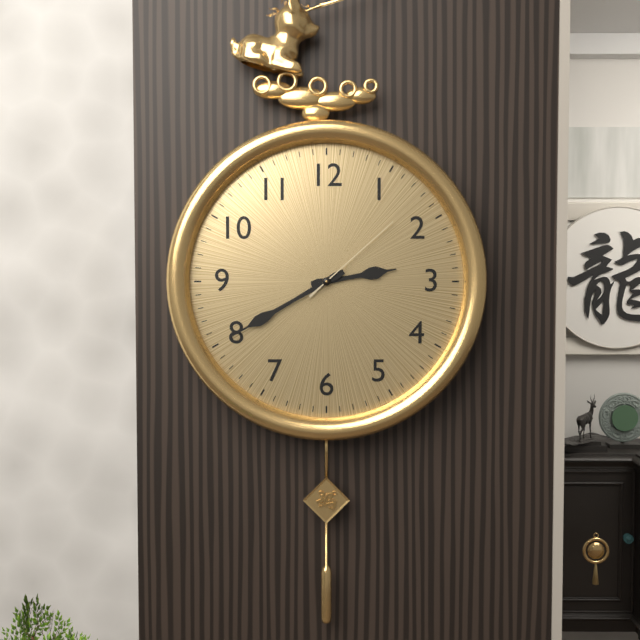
2.40.08
